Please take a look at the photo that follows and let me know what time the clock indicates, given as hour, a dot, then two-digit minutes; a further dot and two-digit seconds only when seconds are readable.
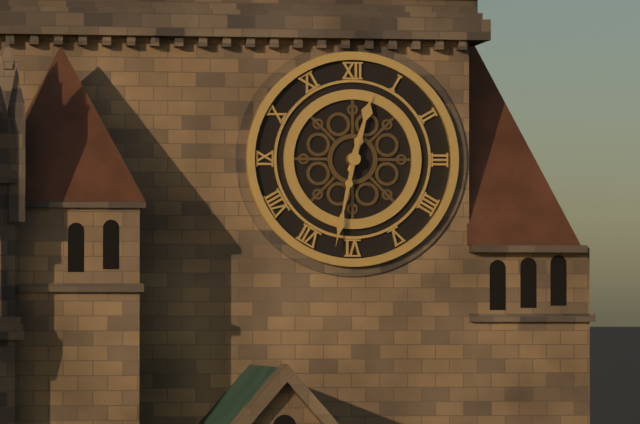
12.32
